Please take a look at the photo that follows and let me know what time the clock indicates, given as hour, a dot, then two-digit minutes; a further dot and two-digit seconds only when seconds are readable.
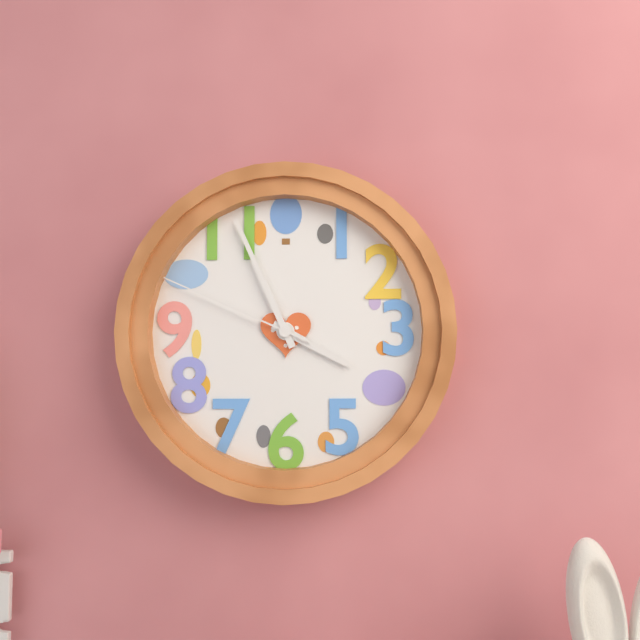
3.56.49
